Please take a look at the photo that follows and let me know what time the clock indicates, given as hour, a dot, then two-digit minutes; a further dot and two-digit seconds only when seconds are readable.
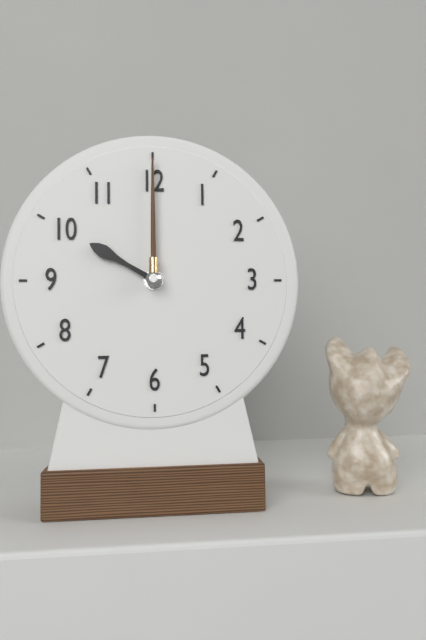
10.00
